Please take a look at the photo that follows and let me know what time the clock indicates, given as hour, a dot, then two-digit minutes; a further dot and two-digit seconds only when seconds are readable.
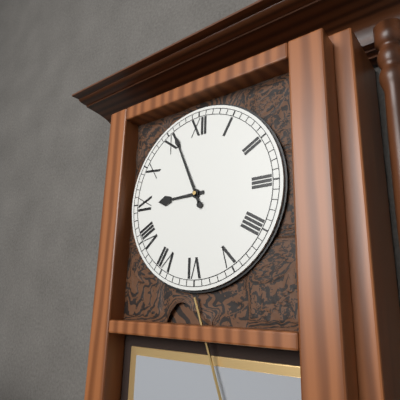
8.56
